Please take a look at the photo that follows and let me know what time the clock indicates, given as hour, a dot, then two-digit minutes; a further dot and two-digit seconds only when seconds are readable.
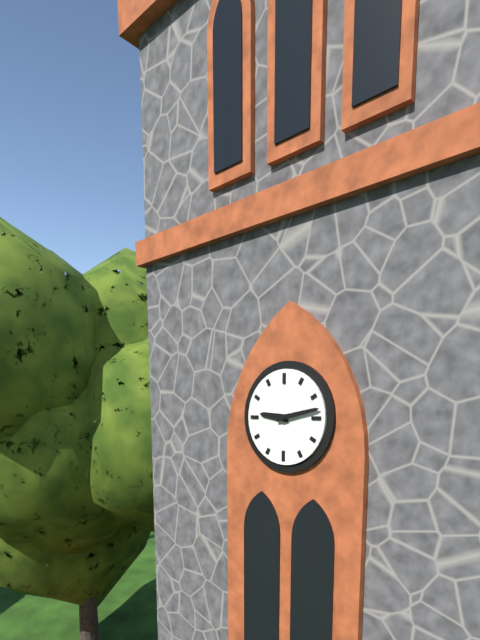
9.13
